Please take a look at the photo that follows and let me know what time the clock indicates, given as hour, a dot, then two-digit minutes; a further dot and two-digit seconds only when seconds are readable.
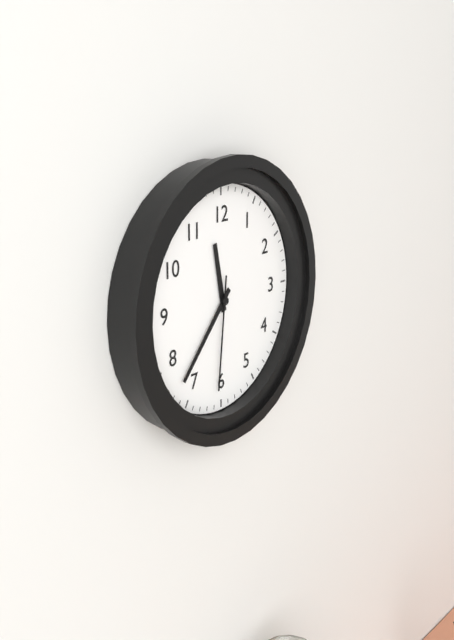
11.37.31
